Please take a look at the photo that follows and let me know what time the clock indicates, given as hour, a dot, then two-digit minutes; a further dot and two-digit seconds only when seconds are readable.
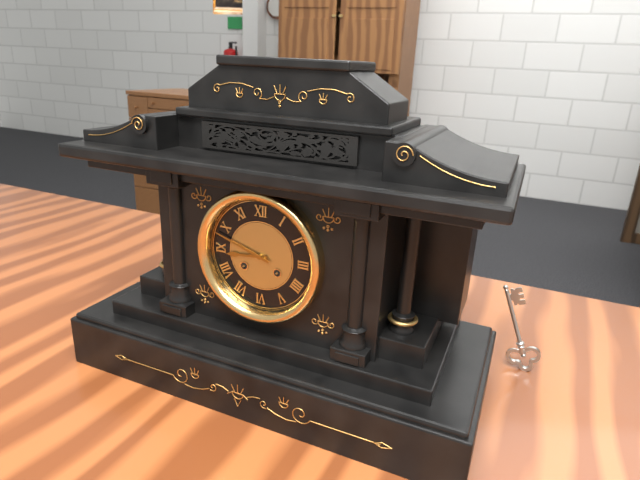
8.48
